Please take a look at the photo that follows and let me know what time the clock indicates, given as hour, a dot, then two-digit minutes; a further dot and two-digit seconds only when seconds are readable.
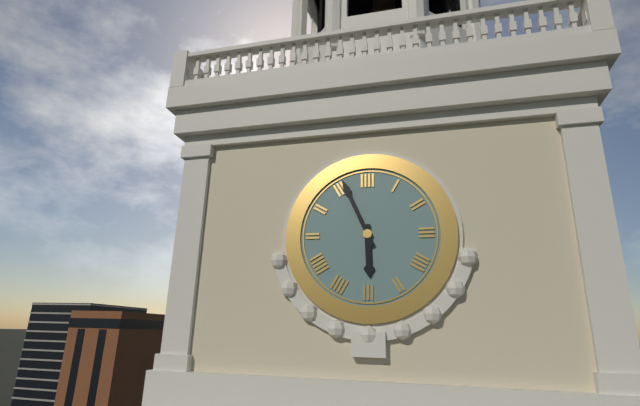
5.56
